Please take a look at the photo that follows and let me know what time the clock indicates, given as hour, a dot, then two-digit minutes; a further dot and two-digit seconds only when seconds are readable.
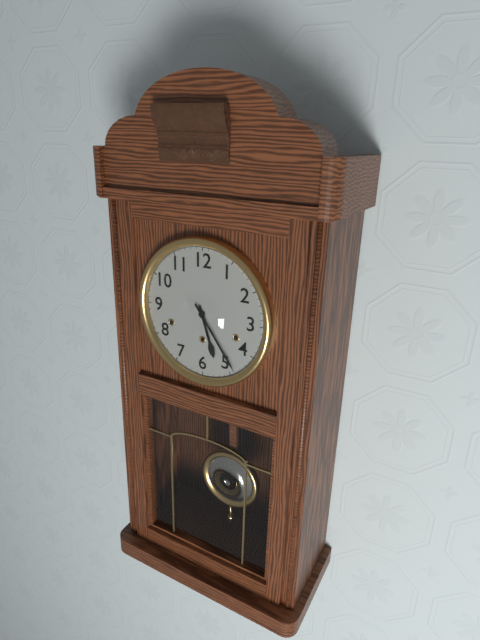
5.24
